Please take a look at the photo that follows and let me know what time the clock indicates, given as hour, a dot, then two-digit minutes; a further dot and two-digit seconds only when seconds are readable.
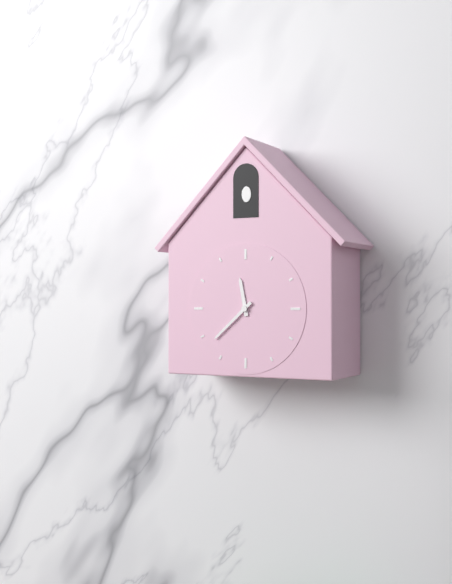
11.38
